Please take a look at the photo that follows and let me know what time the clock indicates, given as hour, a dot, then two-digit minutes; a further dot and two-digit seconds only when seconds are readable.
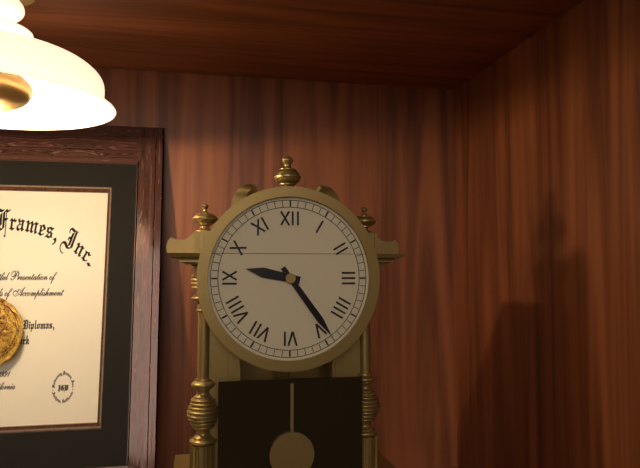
9.24
